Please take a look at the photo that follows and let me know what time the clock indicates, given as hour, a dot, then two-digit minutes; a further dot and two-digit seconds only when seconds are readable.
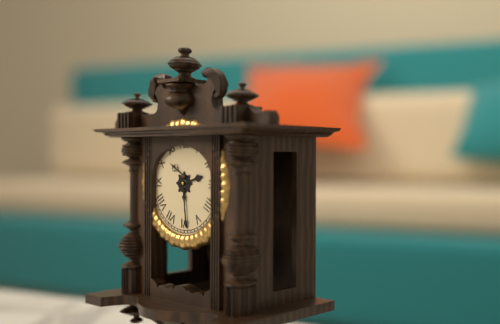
2.29
